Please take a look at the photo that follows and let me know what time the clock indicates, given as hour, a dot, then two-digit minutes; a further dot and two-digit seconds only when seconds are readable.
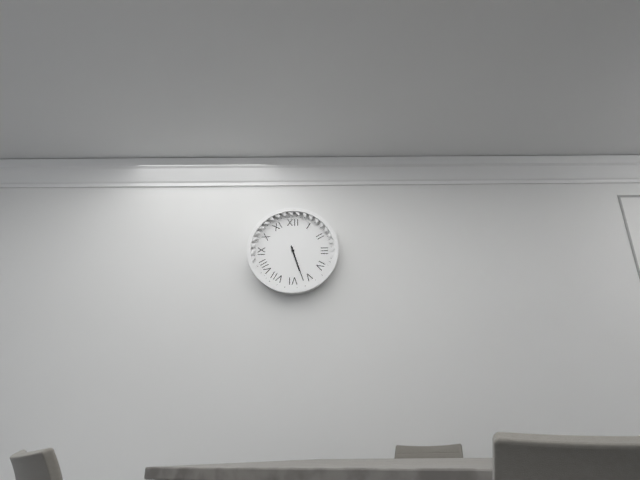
5.27
